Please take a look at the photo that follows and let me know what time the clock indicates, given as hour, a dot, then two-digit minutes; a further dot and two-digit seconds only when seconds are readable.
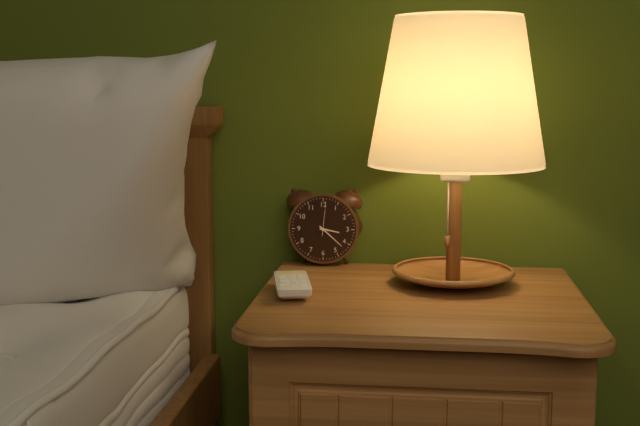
3.22
